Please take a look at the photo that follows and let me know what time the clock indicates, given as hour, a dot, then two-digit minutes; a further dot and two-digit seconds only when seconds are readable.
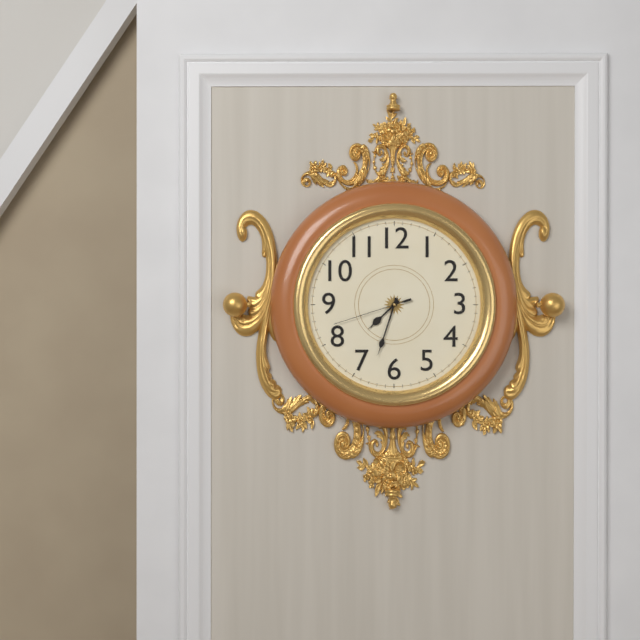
7.33.42
